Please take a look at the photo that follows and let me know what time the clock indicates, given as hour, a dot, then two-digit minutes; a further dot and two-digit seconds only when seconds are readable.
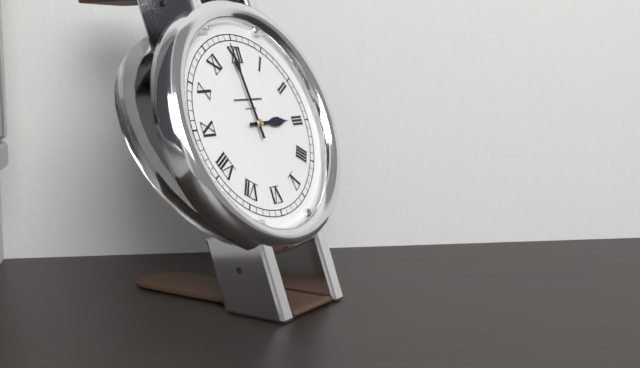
2.59
